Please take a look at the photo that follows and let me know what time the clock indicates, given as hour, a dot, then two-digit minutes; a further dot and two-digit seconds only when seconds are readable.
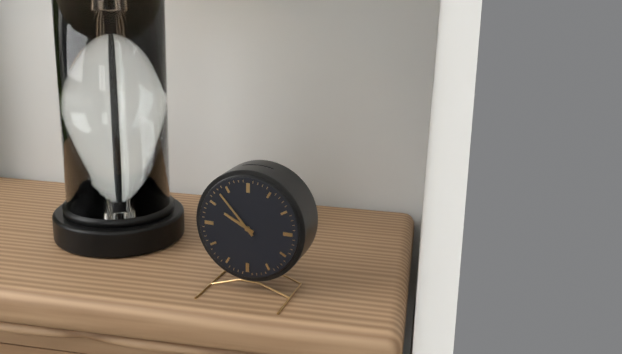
9.53
